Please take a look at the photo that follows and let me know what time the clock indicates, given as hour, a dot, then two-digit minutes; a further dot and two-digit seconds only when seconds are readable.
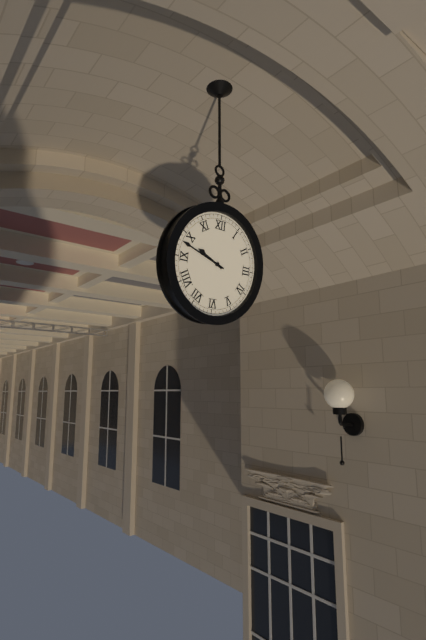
9.48
